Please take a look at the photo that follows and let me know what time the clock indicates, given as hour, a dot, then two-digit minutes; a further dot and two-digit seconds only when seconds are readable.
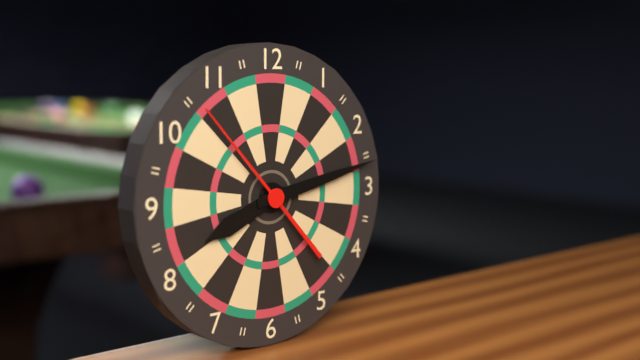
8.13.53
